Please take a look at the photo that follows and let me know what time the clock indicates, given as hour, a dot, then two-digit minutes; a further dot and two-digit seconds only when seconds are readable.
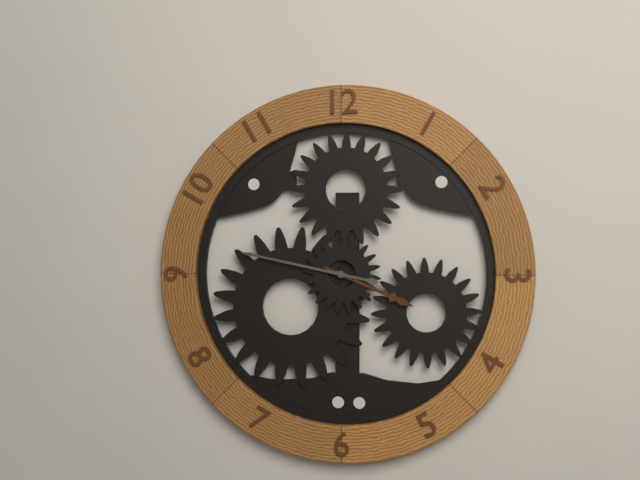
3.47
